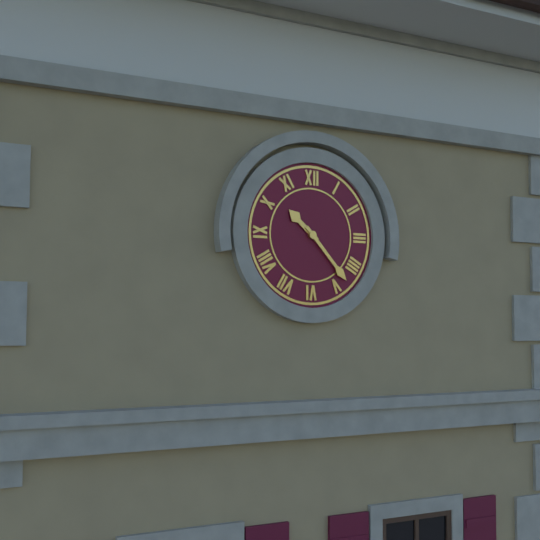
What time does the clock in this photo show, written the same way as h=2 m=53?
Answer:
h=10 m=23
